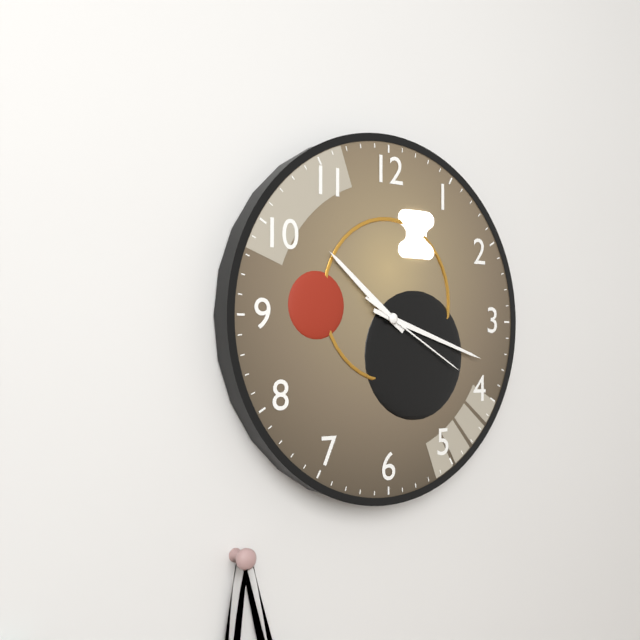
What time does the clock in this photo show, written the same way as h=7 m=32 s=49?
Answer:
h=10 m=18 s=20
